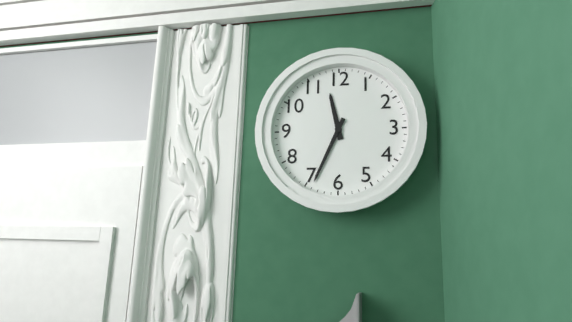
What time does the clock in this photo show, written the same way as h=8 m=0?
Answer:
h=11 m=34
